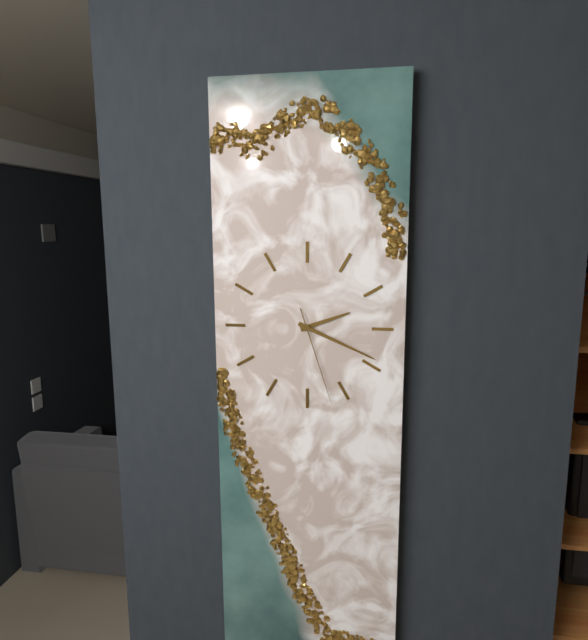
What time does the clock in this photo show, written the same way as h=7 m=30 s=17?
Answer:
h=2 m=19 s=27
